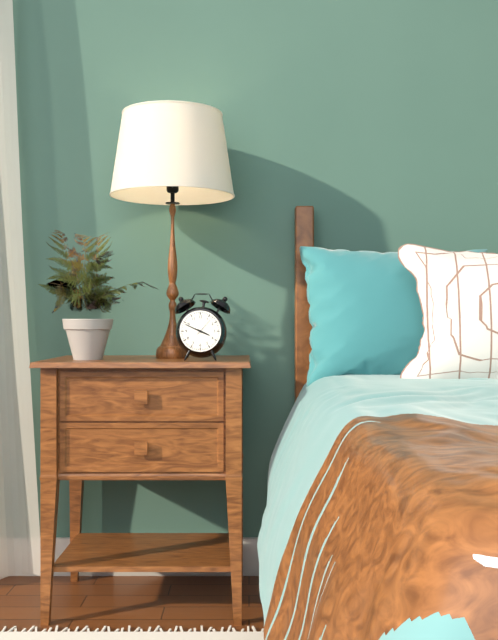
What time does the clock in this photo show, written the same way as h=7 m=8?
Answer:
h=3 m=49
